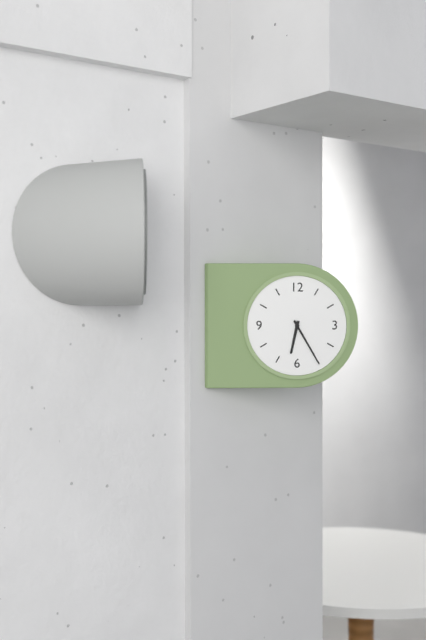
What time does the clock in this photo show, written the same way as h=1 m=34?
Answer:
h=6 m=25
